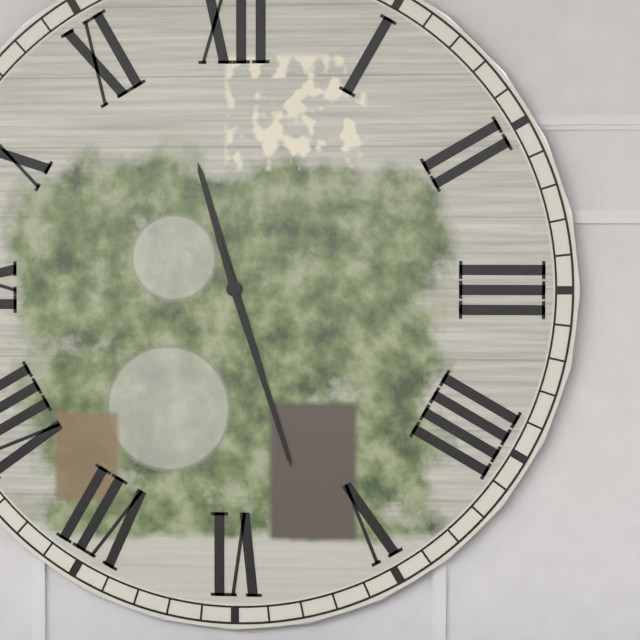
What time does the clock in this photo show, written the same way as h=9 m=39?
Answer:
h=11 m=27
